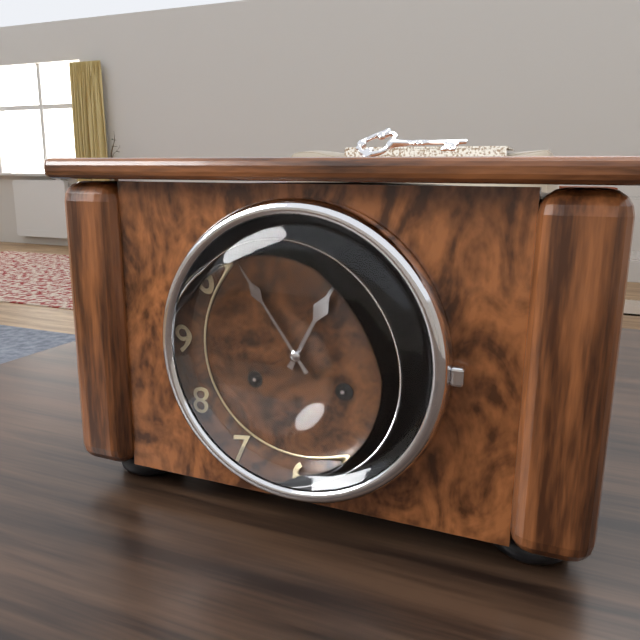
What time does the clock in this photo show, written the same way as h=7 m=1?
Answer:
h=12 m=54
